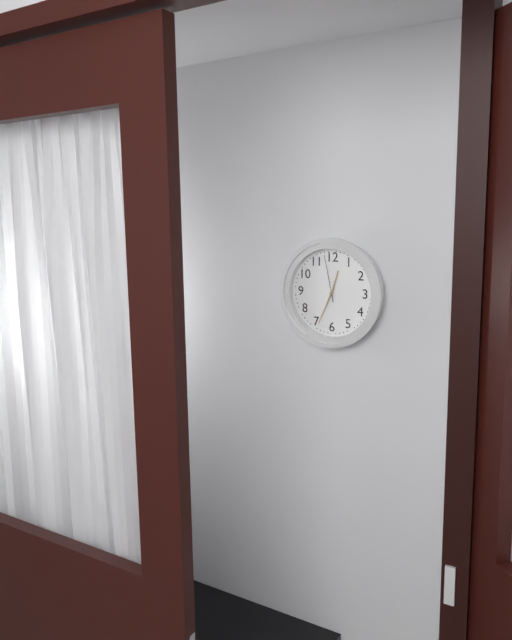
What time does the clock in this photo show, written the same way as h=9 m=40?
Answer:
h=12 m=34
